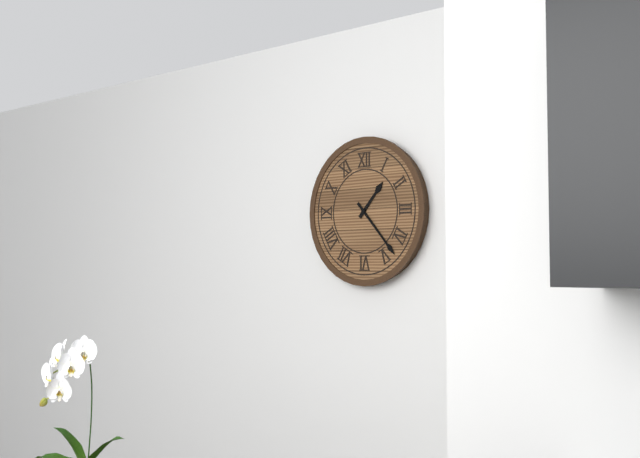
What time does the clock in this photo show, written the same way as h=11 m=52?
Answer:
h=1 m=23
